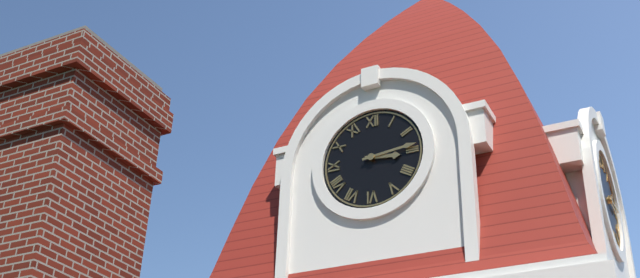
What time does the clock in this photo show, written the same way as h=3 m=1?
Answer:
h=3 m=14
